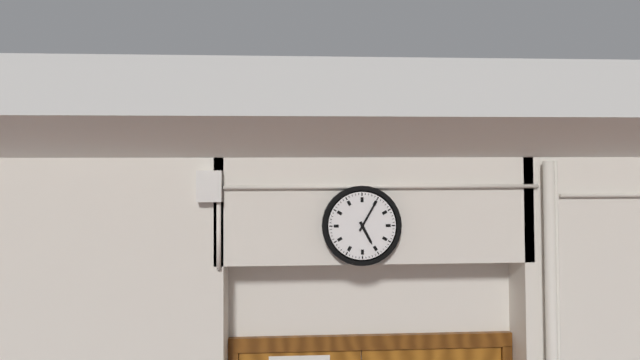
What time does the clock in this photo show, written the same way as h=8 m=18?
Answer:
h=5 m=5
